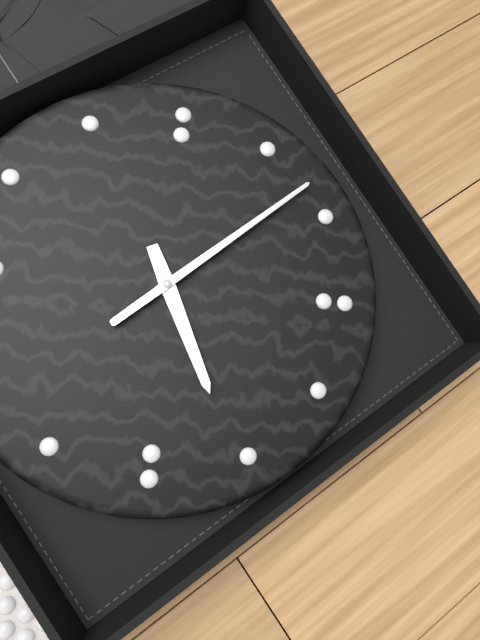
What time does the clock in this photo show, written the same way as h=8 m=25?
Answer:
h=5 m=8
